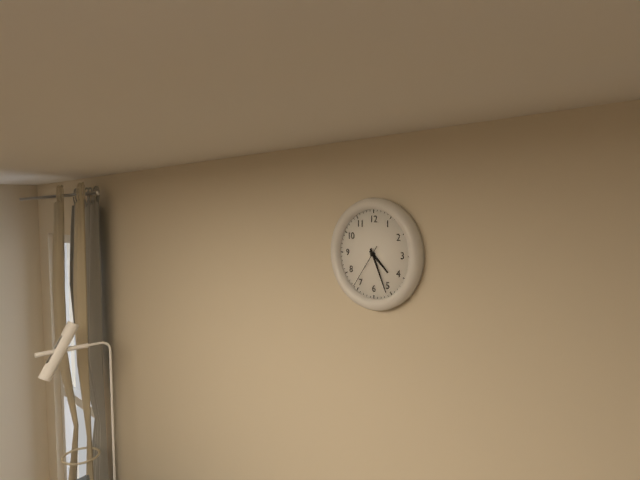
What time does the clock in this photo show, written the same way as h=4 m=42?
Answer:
h=4 m=26
